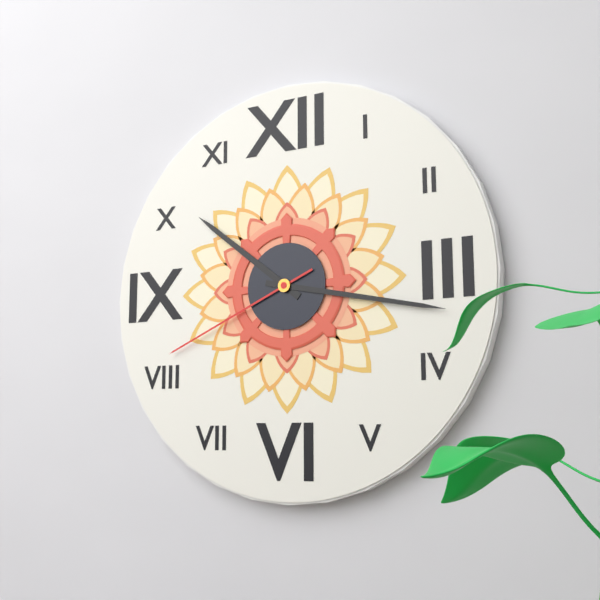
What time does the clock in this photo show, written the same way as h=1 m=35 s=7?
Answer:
h=10 m=17 s=41
